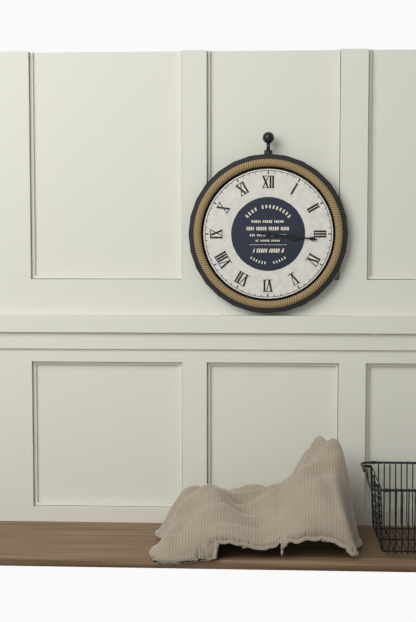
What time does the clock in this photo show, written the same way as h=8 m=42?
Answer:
h=3 m=16
